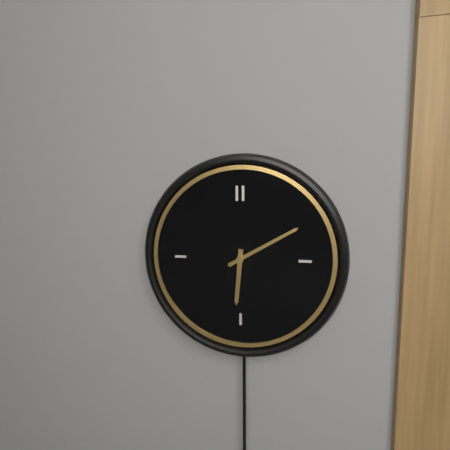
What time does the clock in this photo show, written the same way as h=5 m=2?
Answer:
h=6 m=10
